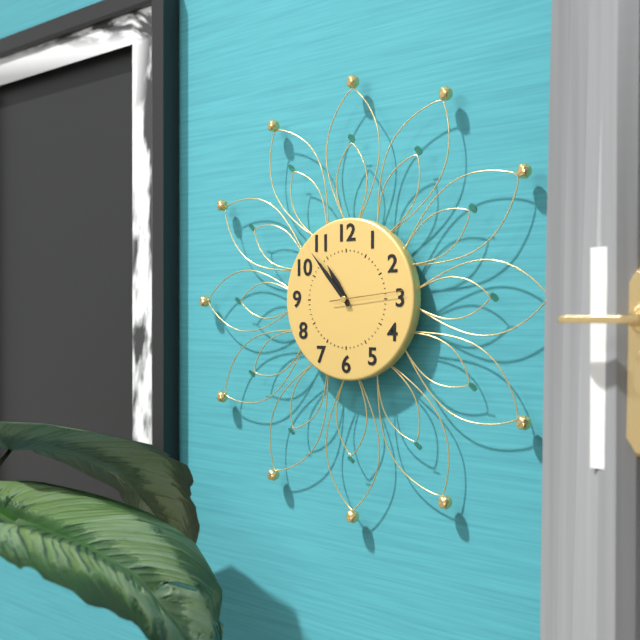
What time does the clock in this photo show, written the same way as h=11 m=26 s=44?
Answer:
h=10 m=53 s=14
